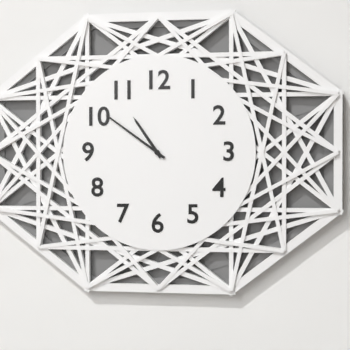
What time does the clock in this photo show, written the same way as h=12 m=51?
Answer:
h=10 m=51
